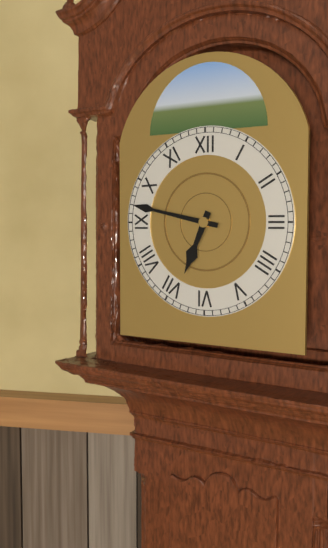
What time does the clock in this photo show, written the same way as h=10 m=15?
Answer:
h=6 m=47
